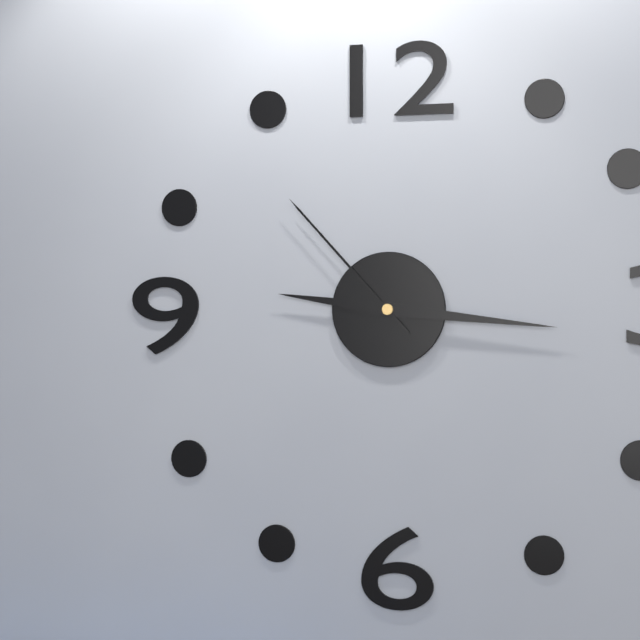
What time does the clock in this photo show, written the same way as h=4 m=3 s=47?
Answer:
h=9 m=16 s=53
